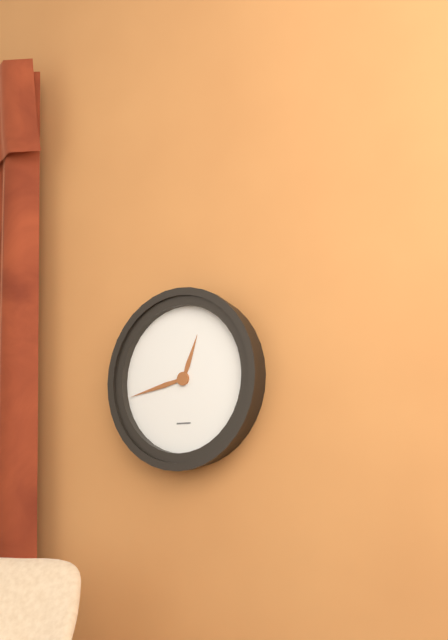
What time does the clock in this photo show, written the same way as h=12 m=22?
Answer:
h=12 m=43
